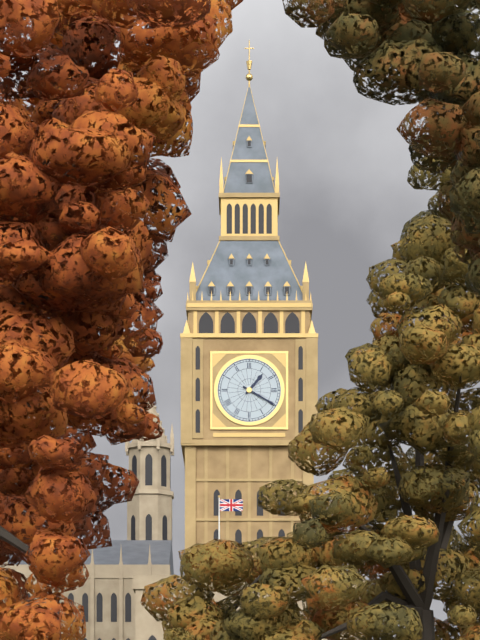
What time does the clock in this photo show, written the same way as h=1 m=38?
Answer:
h=1 m=20
